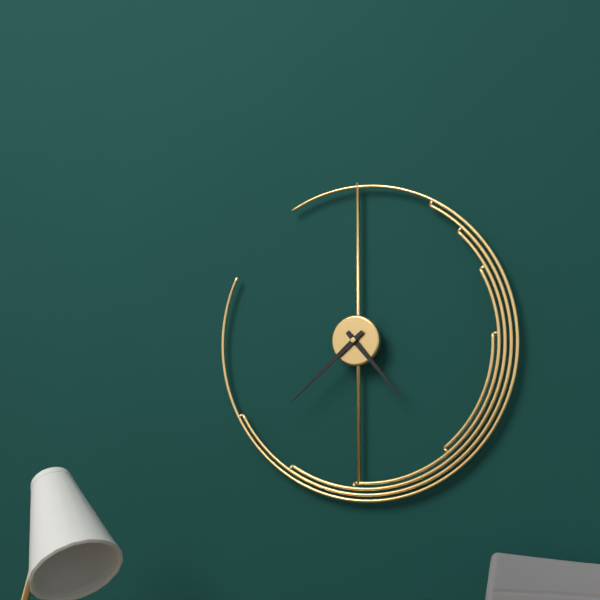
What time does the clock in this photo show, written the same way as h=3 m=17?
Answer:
h=4 m=38
